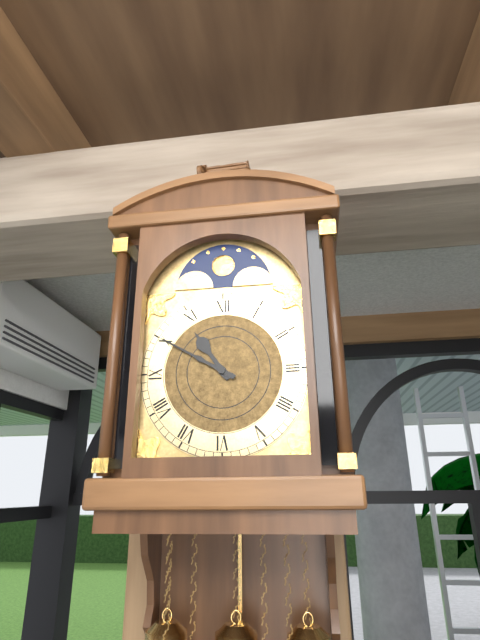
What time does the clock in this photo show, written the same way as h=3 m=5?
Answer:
h=10 m=50
